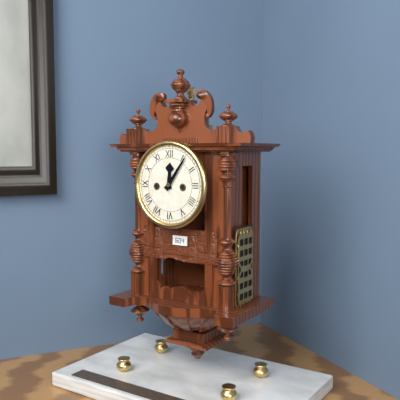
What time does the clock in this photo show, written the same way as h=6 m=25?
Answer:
h=12 m=6
